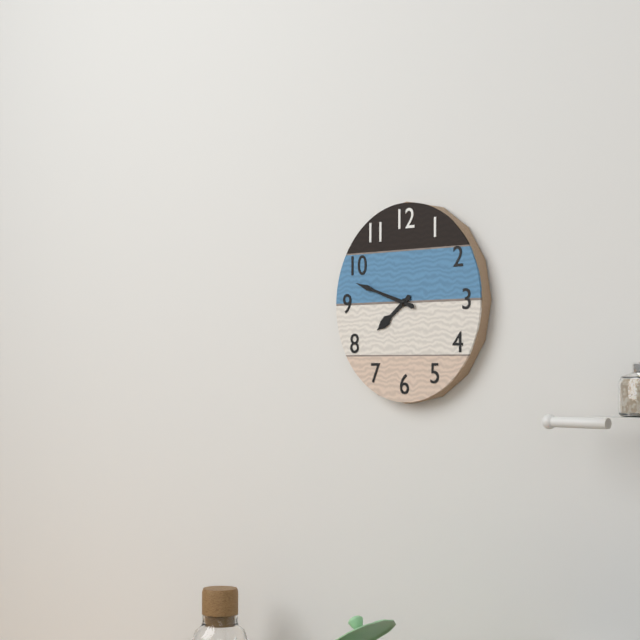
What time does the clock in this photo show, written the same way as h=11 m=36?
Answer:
h=7 m=48
